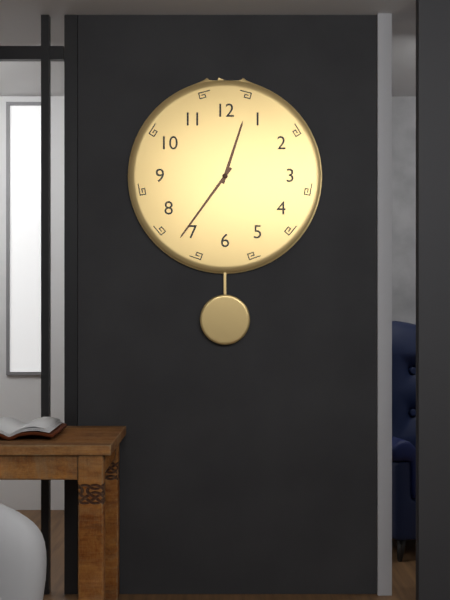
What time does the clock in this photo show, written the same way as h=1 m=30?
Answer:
h=12 m=36
